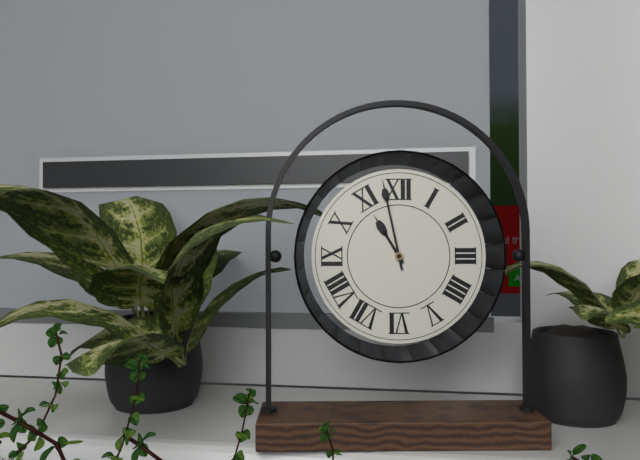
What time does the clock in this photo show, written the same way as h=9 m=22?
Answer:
h=10 m=58
